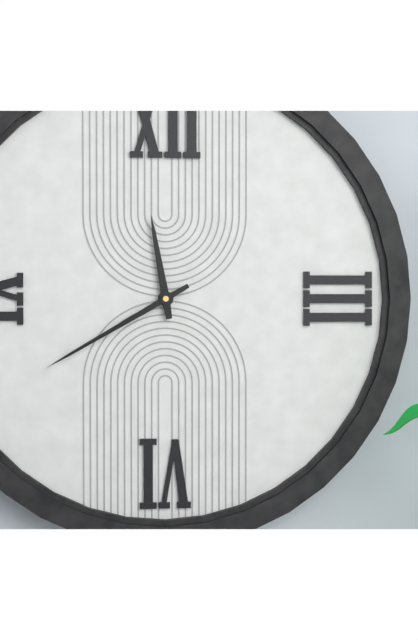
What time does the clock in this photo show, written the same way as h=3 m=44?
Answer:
h=11 m=40
